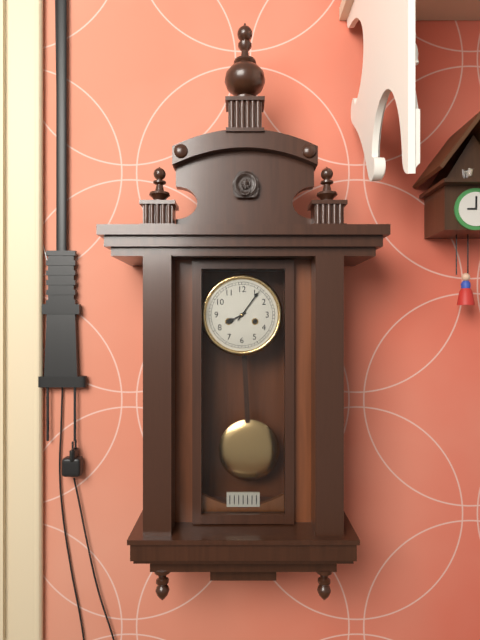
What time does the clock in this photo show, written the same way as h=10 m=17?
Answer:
h=8 m=6
